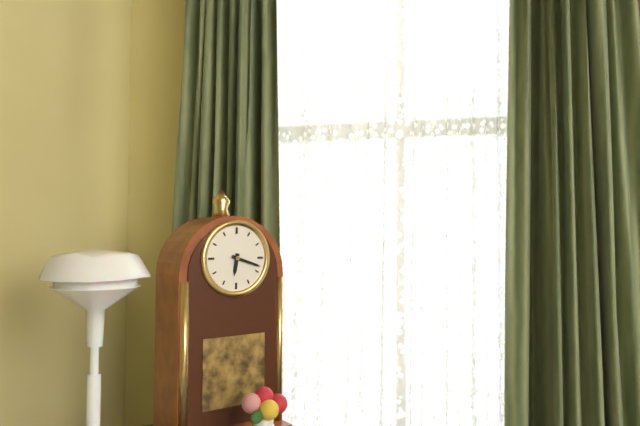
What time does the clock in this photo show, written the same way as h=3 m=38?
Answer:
h=6 m=18
